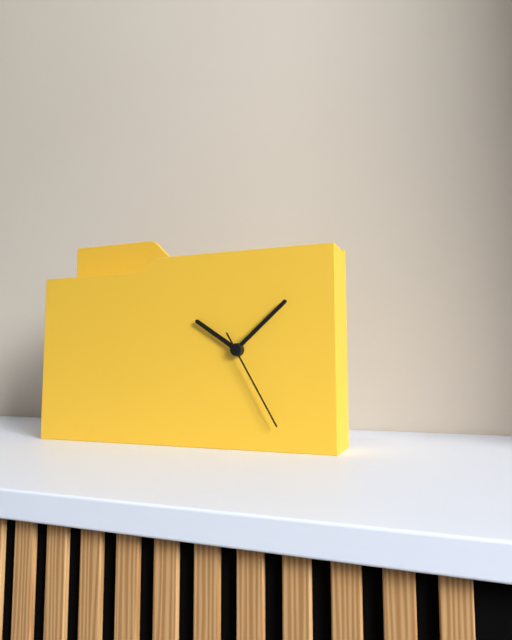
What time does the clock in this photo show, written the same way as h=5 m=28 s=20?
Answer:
h=10 m=8 s=25
